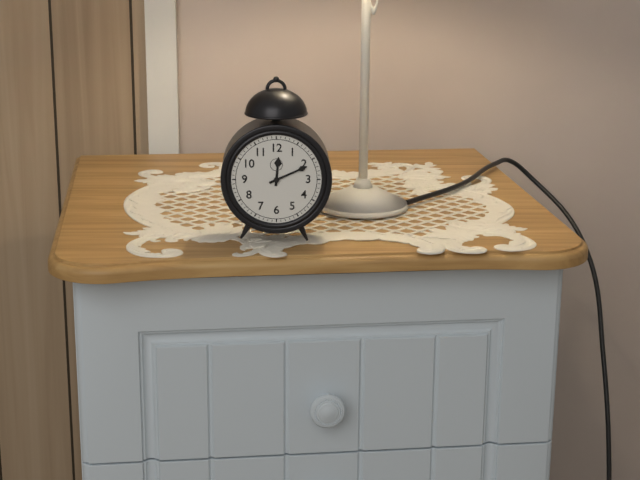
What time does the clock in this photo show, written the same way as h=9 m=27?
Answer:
h=12 m=11
